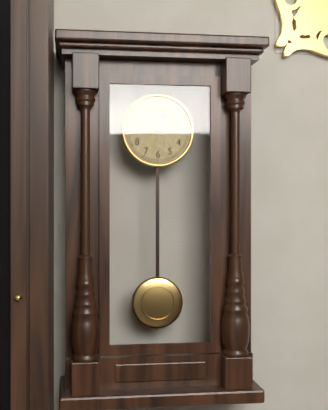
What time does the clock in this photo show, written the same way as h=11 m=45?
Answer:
h=12 m=53
